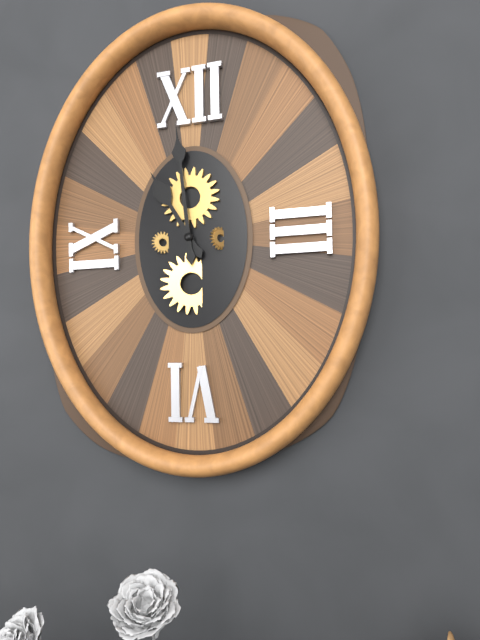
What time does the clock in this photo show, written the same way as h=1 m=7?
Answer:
h=10 m=59
